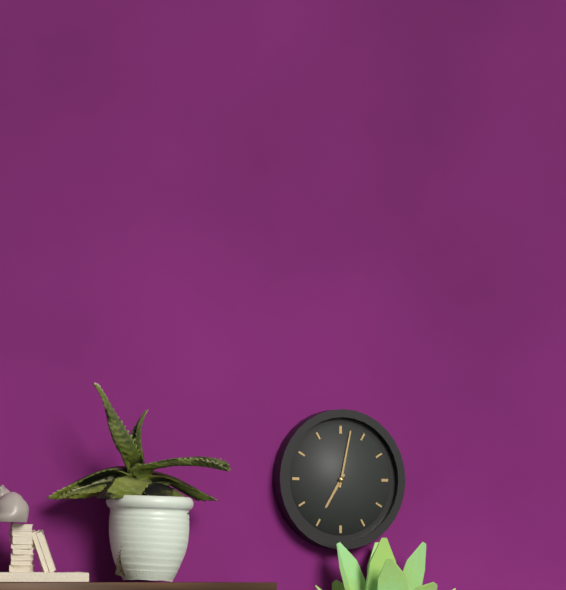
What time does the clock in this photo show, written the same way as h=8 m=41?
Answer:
h=7 m=2
